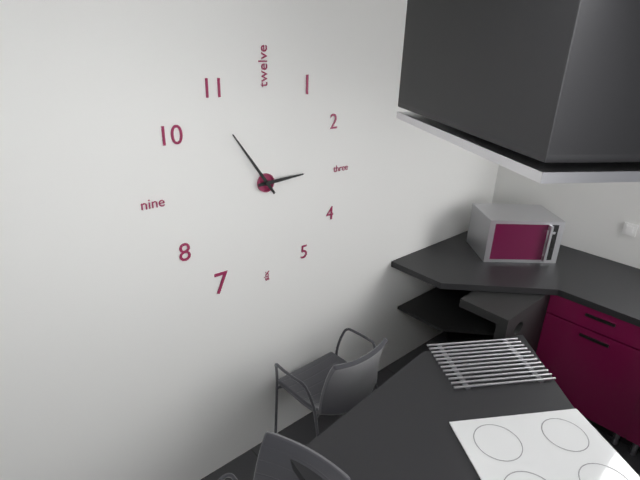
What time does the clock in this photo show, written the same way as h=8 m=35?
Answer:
h=2 m=54
